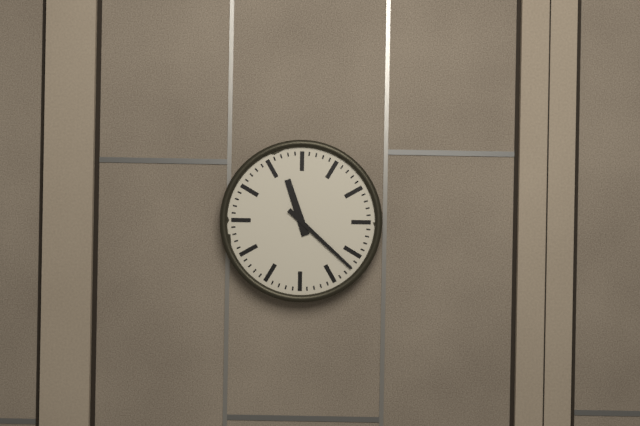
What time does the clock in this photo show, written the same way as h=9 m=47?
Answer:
h=11 m=22
